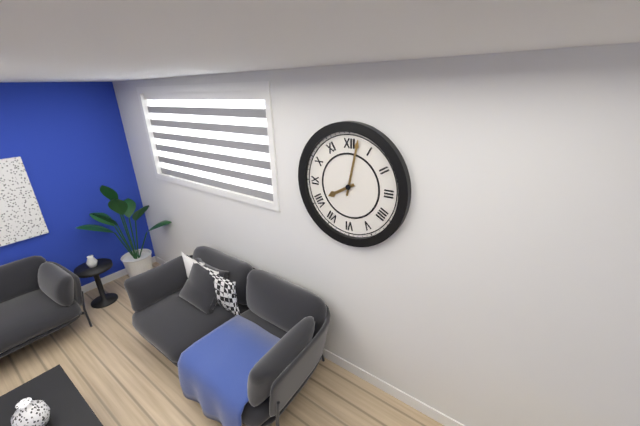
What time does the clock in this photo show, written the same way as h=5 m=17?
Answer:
h=8 m=2
